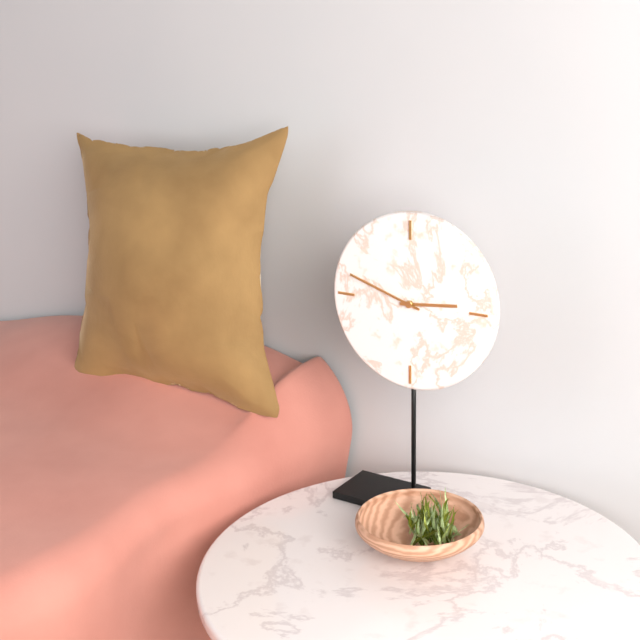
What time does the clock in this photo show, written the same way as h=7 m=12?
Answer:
h=2 m=48
